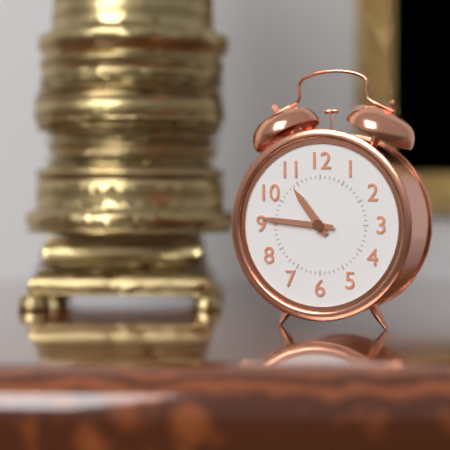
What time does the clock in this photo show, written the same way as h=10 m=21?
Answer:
h=10 m=46
